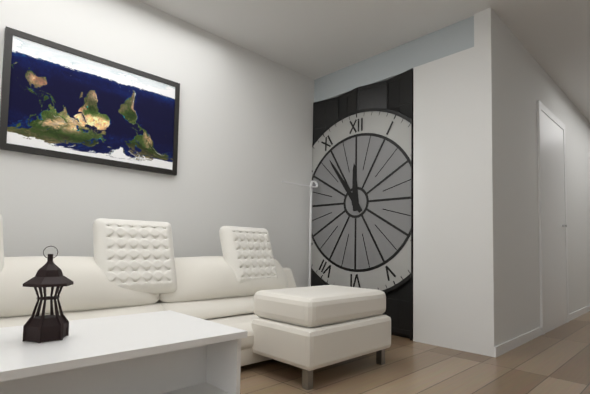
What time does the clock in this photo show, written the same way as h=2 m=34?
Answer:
h=11 m=54
